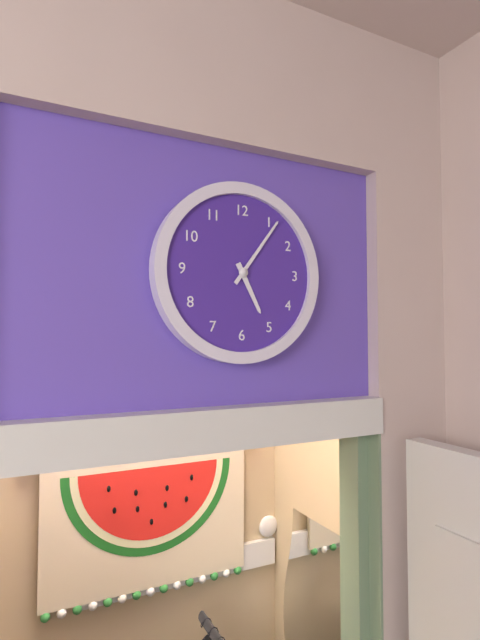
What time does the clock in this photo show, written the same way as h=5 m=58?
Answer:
h=5 m=6
